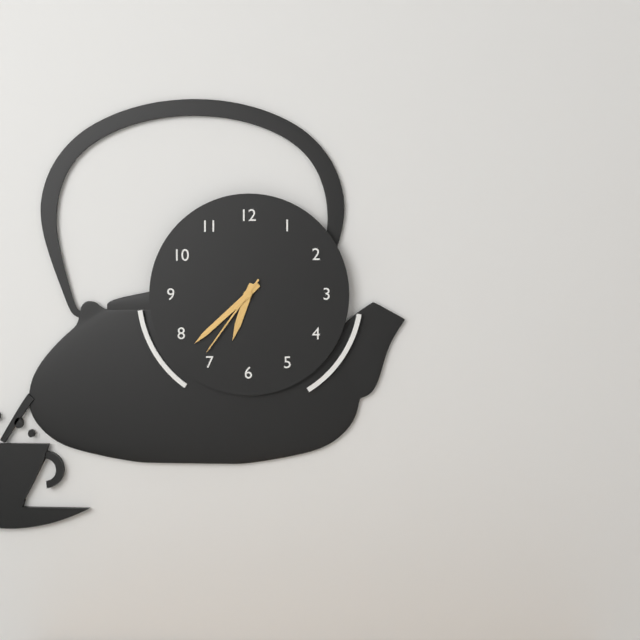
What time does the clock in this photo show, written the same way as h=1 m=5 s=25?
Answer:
h=6 m=38 s=36
